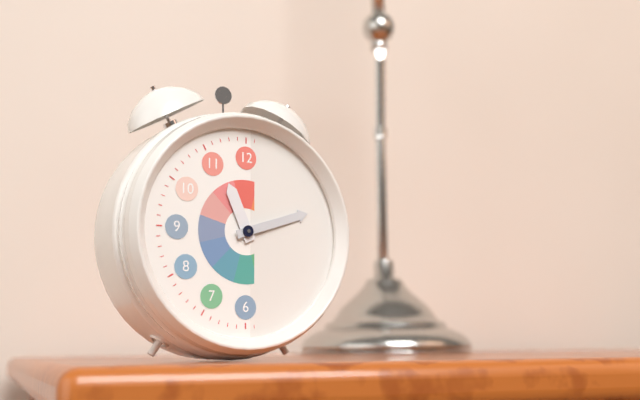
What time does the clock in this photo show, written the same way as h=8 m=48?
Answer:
h=11 m=12
